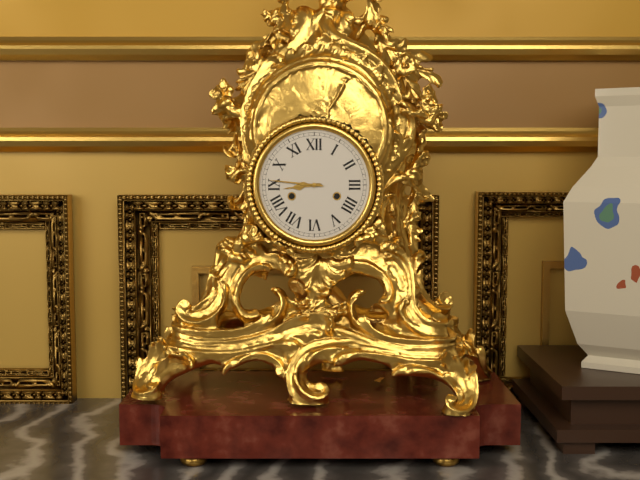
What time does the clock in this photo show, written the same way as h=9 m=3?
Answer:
h=8 m=46
